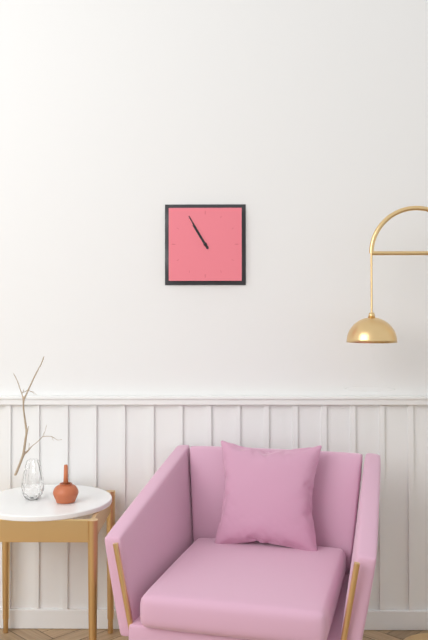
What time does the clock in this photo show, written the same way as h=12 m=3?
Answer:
h=10 m=55
